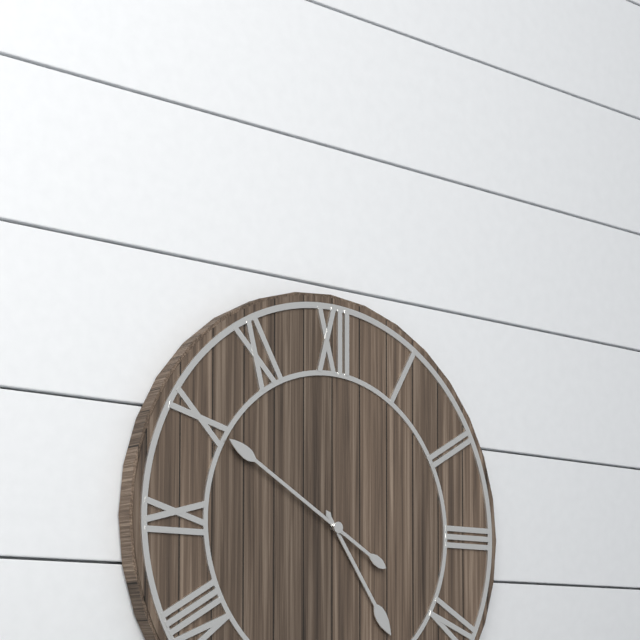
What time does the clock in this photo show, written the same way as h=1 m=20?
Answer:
h=4 m=50
